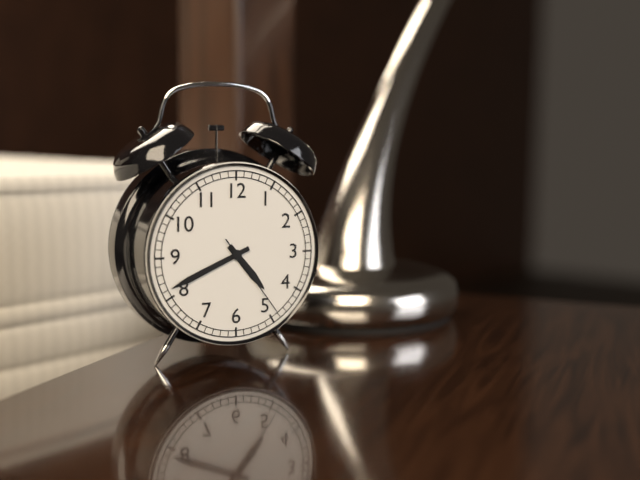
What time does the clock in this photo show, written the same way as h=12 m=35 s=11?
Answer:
h=4 m=41 s=24
